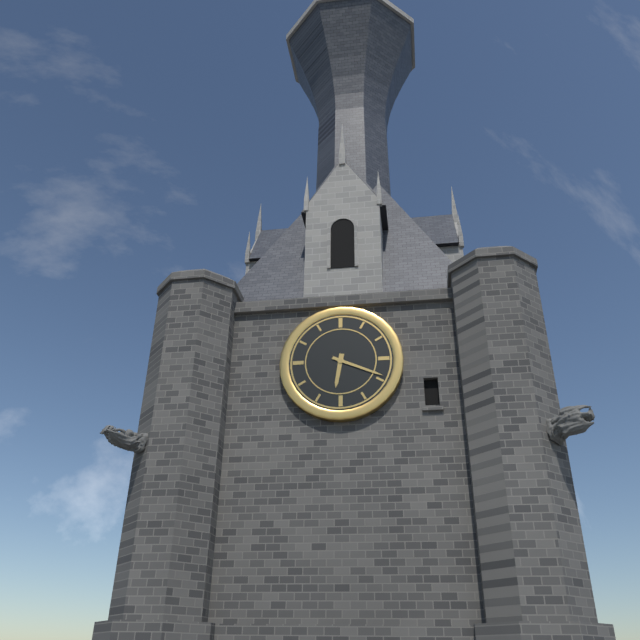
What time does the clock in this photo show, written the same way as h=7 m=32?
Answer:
h=6 m=19
